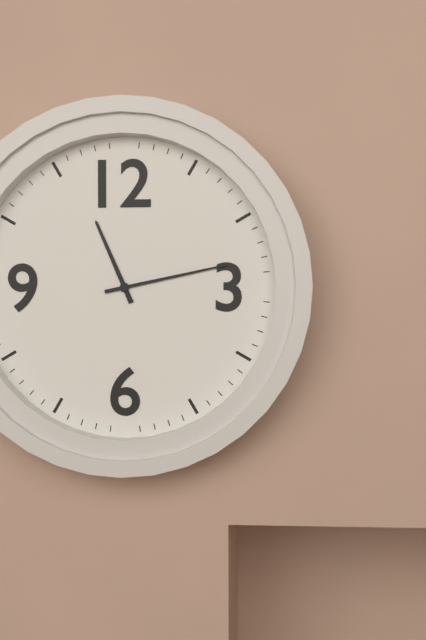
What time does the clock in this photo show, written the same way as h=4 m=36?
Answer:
h=11 m=13
